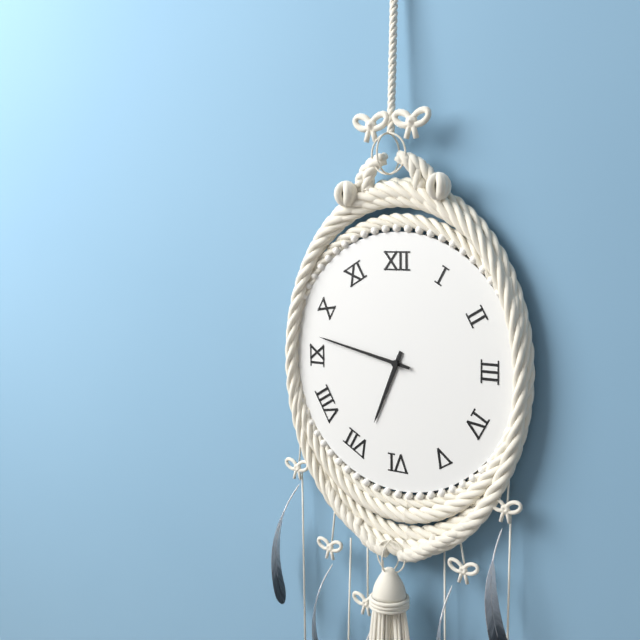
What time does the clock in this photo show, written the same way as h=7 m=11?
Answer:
h=6 m=47
